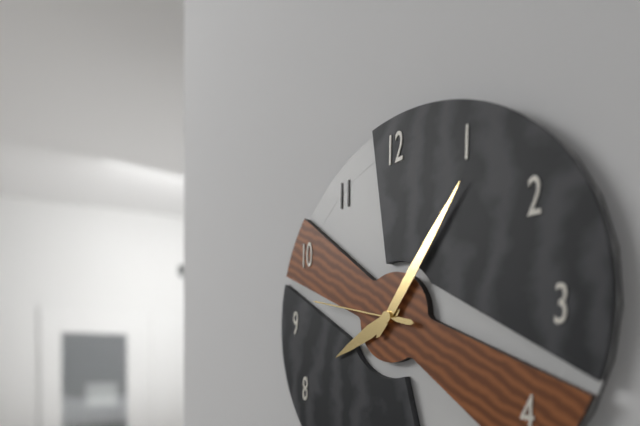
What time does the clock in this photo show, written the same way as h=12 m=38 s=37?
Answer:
h=8 m=6 s=47
